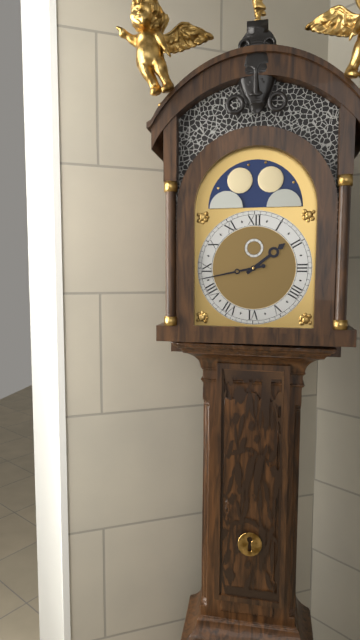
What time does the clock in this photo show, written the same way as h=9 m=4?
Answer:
h=1 m=43
